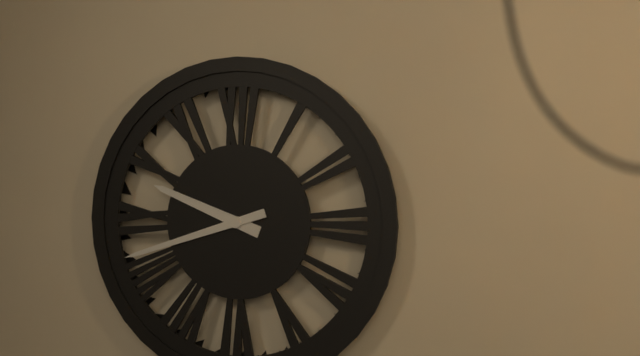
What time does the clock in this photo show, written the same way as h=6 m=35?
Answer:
h=9 m=42
